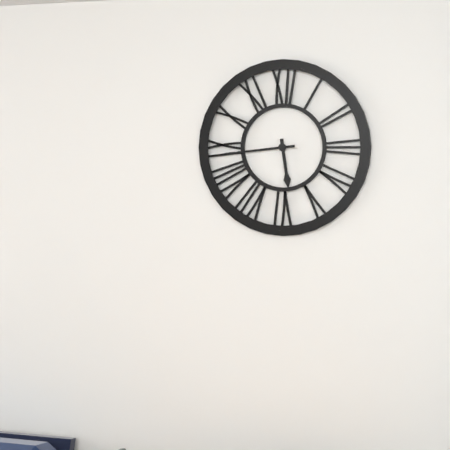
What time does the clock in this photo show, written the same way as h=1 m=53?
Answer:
h=5 m=44
